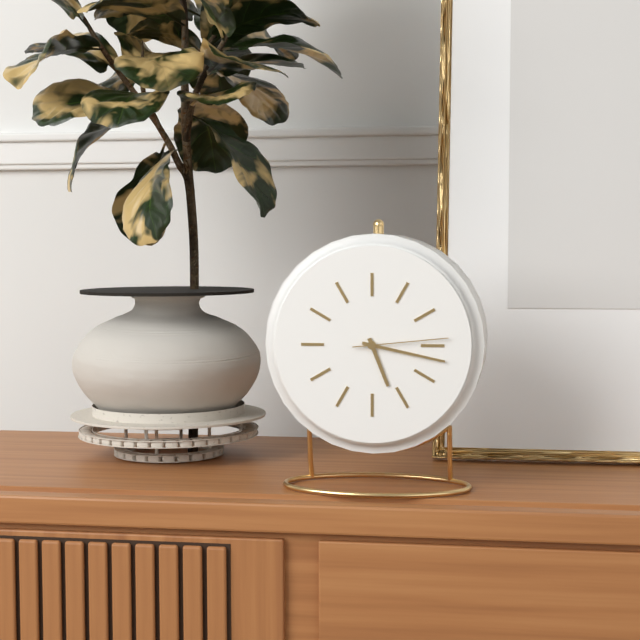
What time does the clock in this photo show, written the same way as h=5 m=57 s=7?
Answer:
h=5 m=17 s=14
